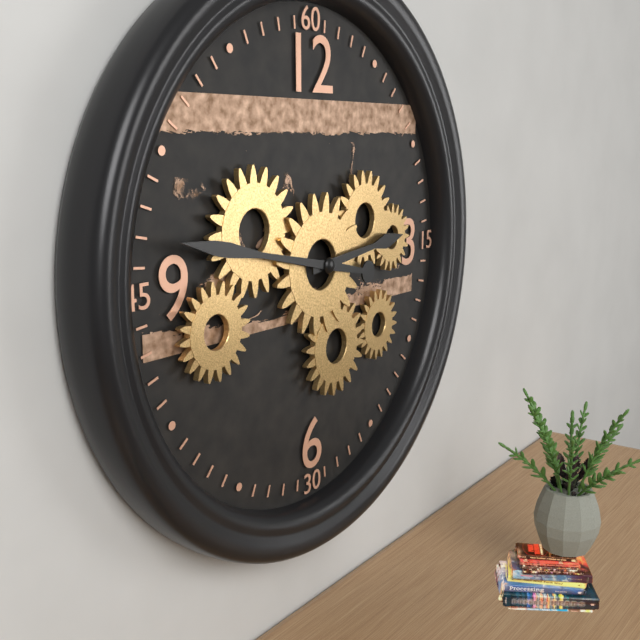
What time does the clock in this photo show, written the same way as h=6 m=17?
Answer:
h=2 m=47
